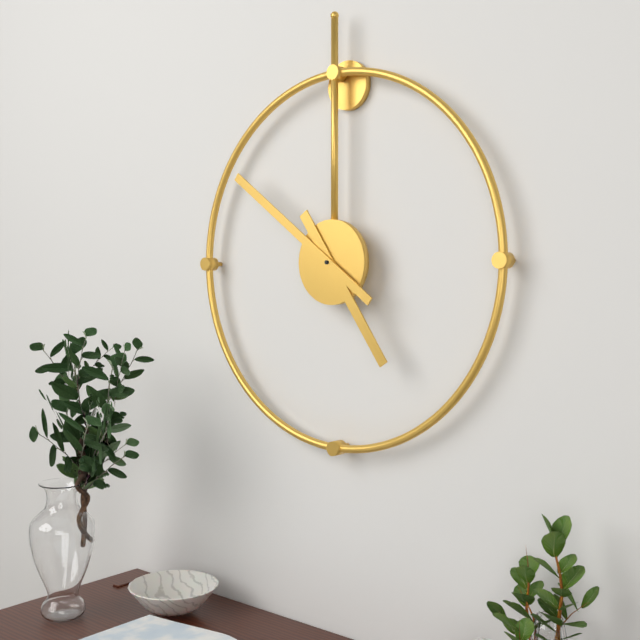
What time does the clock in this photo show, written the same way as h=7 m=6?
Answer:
h=4 m=51
